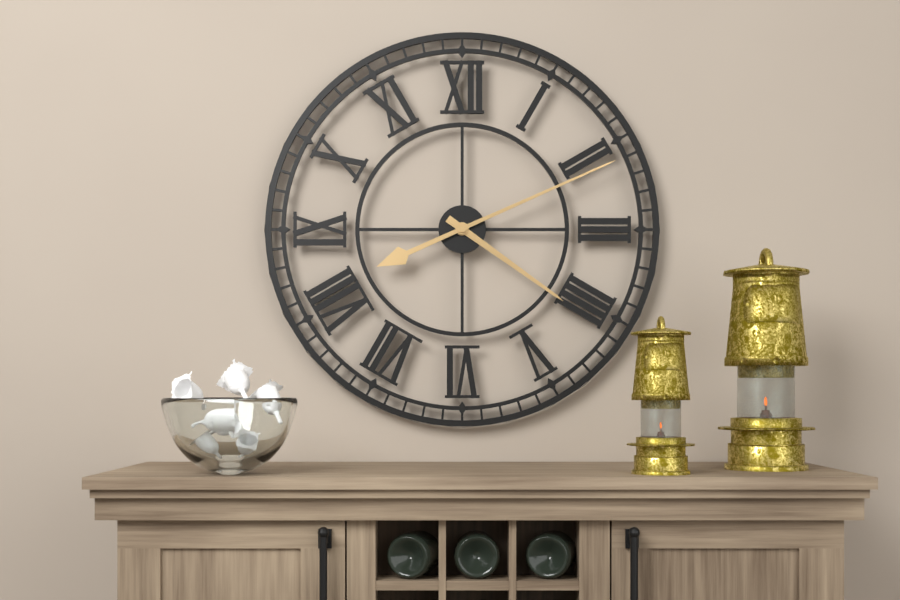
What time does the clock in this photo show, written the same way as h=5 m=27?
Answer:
h=4 m=11
